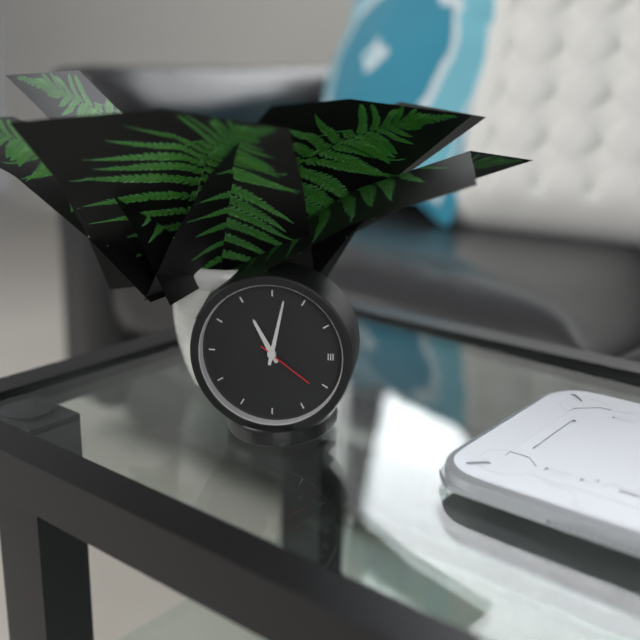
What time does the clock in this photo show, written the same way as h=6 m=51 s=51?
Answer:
h=11 m=2 s=21
